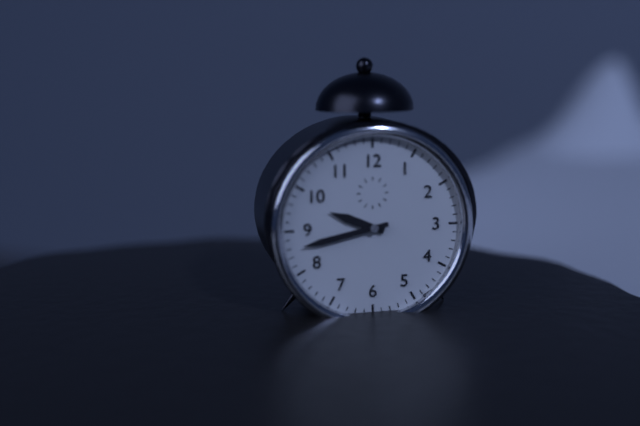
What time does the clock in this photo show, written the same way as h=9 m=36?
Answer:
h=9 m=43
